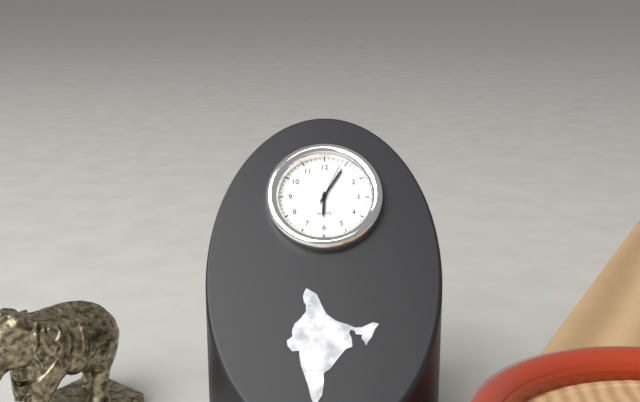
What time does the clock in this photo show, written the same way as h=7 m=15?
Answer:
h=6 m=5
